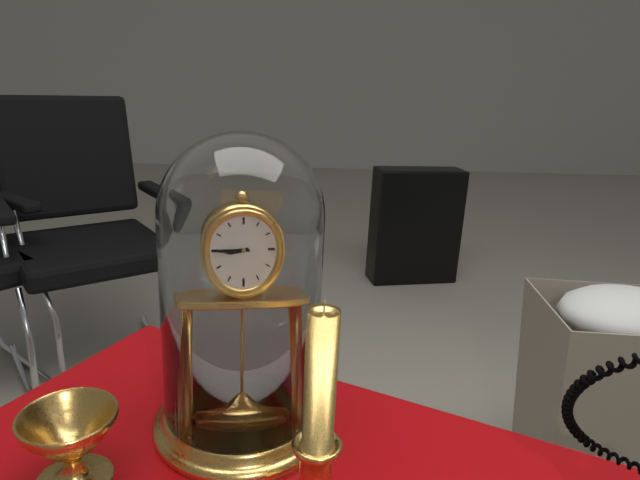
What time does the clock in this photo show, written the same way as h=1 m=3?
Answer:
h=8 m=45
